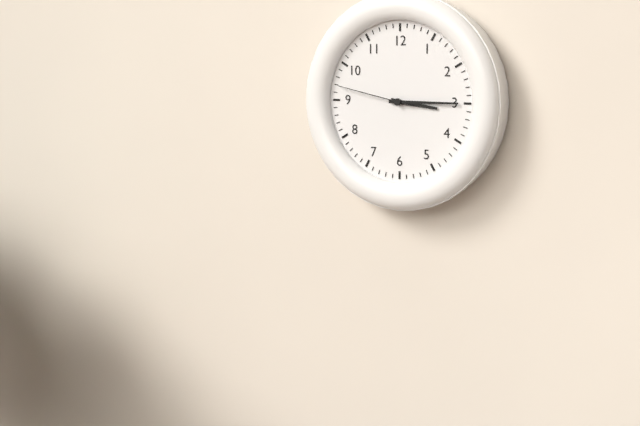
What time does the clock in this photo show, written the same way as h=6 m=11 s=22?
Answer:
h=3 m=15 s=47
